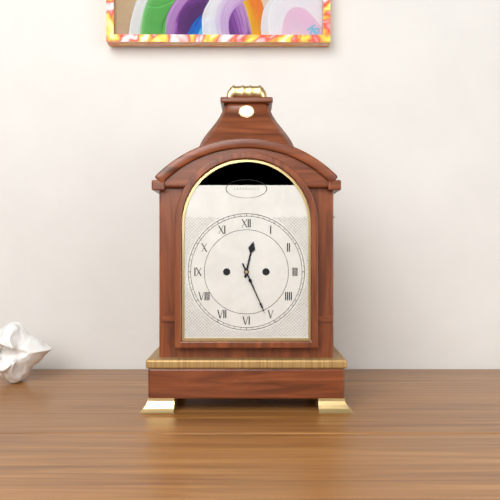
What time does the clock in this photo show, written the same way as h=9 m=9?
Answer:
h=12 m=26
